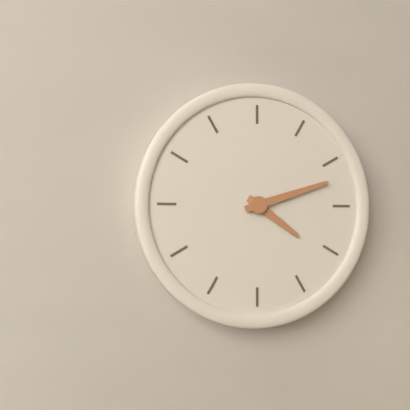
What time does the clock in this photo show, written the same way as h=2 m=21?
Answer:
h=4 m=12
